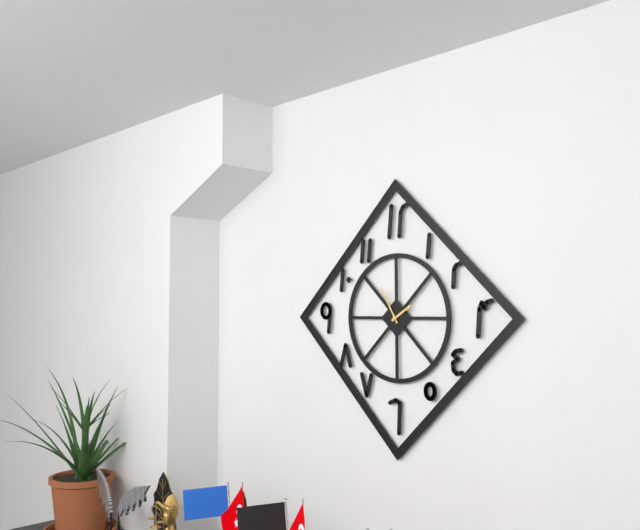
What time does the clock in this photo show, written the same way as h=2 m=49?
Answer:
h=1 m=55
